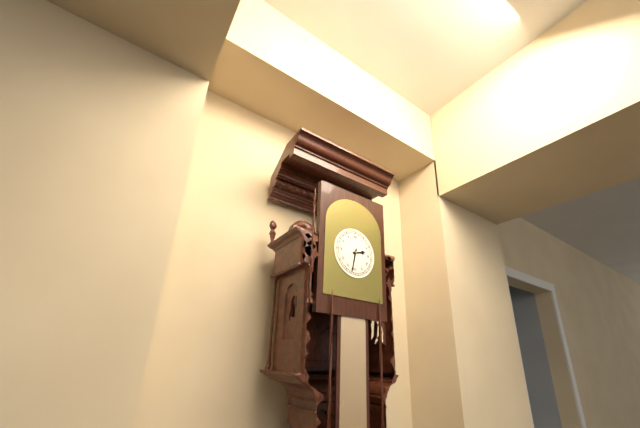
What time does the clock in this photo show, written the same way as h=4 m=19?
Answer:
h=2 m=32
